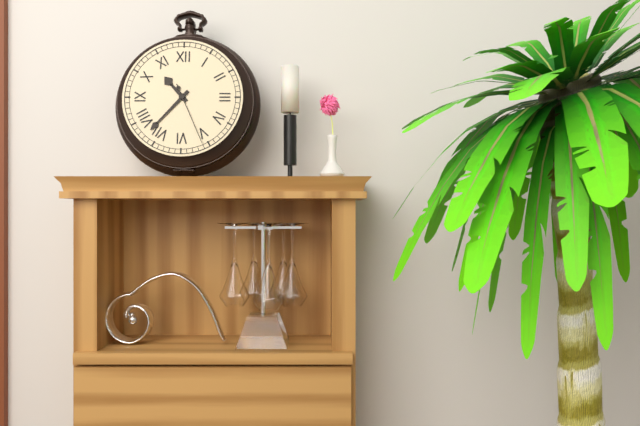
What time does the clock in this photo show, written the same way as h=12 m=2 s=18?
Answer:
h=10 m=37 s=26
